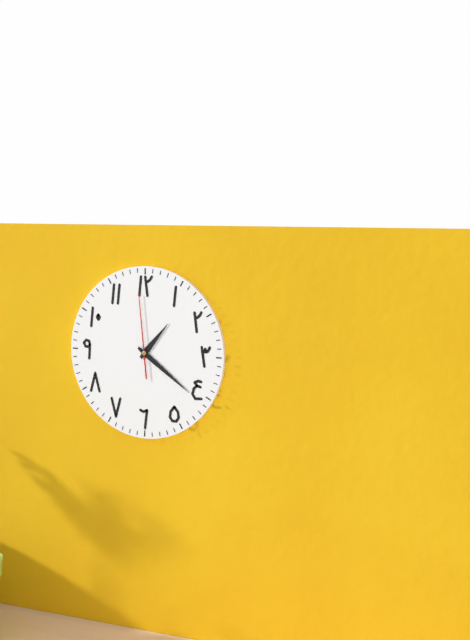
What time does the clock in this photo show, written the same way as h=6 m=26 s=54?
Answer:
h=1 m=21 s=59
